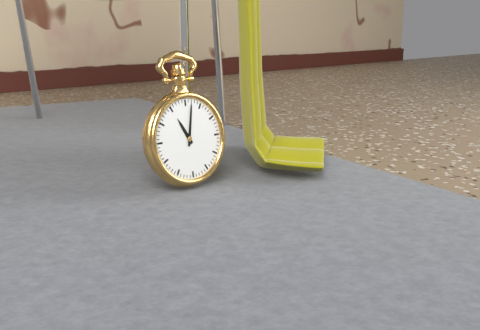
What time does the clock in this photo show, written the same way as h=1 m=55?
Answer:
h=11 m=2
